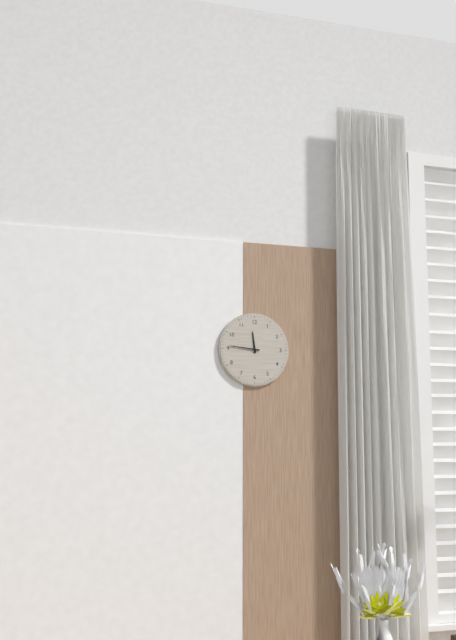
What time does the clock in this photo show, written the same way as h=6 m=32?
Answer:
h=11 m=46
